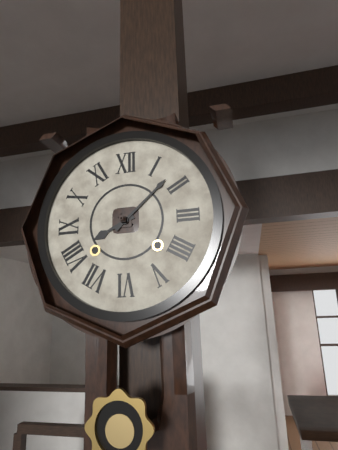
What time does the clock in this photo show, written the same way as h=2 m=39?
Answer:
h=8 m=8
